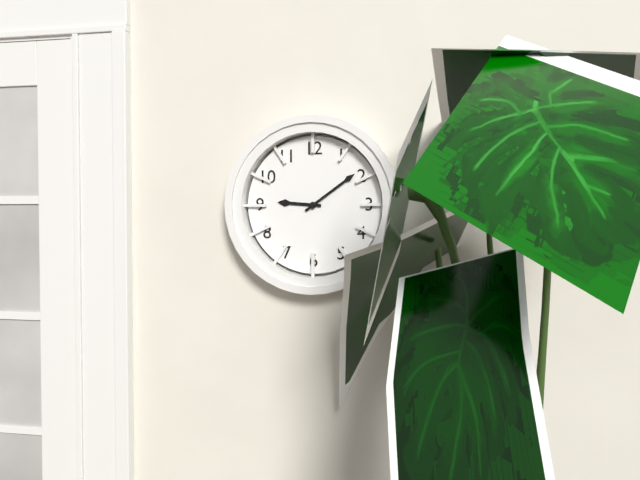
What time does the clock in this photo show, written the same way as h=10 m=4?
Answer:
h=9 m=9
